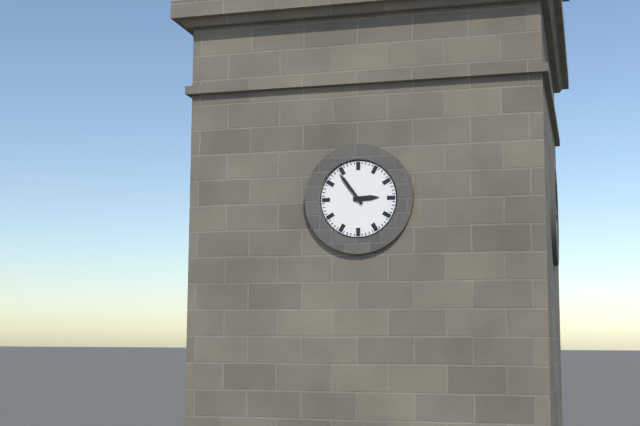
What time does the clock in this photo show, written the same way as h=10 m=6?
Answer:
h=2 m=54
